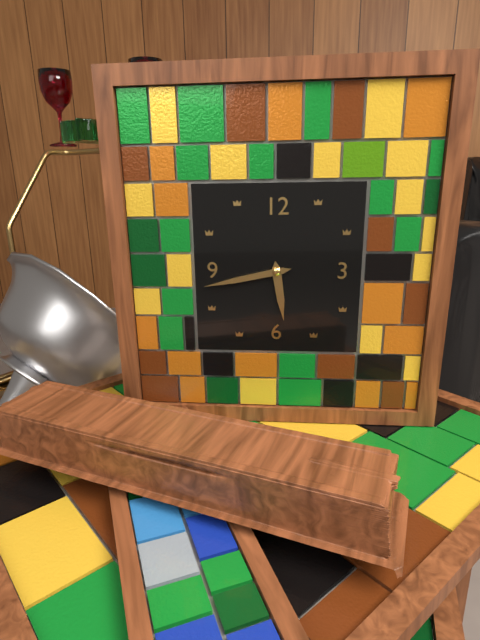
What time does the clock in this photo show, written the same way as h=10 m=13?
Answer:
h=5 m=43
